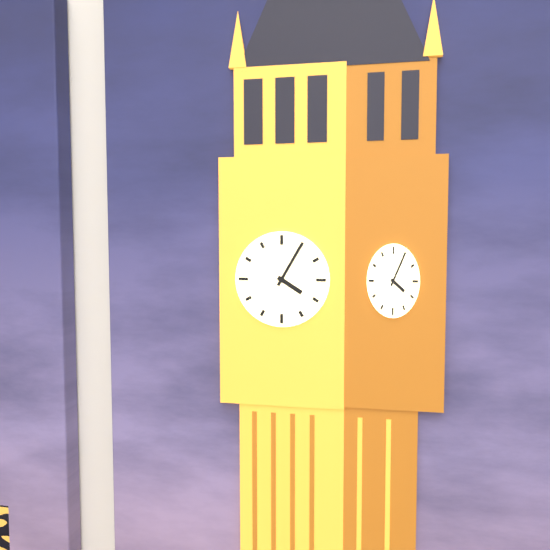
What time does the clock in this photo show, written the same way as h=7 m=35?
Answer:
h=4 m=5
